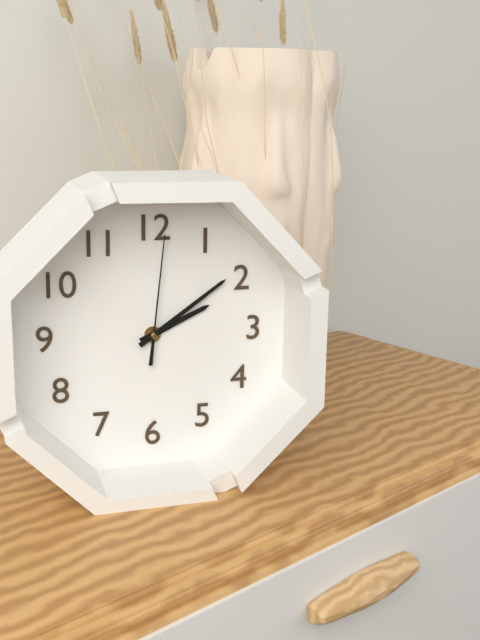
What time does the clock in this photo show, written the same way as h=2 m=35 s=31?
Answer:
h=2 m=9 s=1
